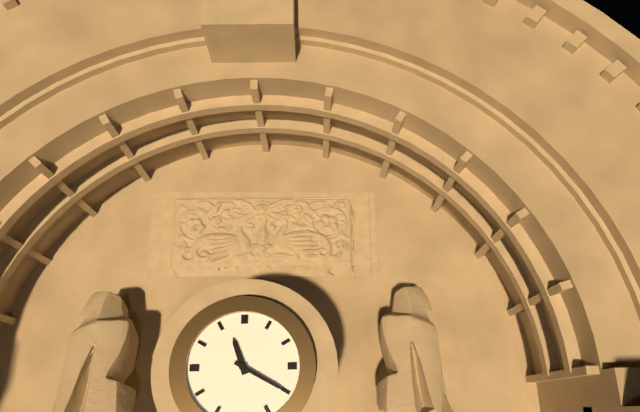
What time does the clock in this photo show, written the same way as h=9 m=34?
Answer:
h=11 m=20
